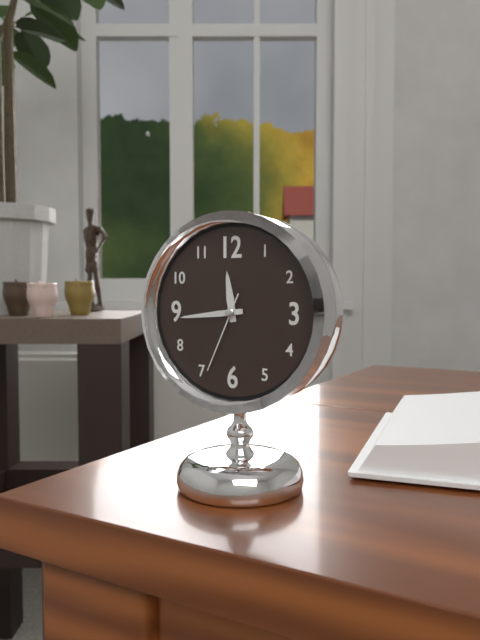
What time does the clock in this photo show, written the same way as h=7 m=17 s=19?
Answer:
h=11 m=44 s=34
